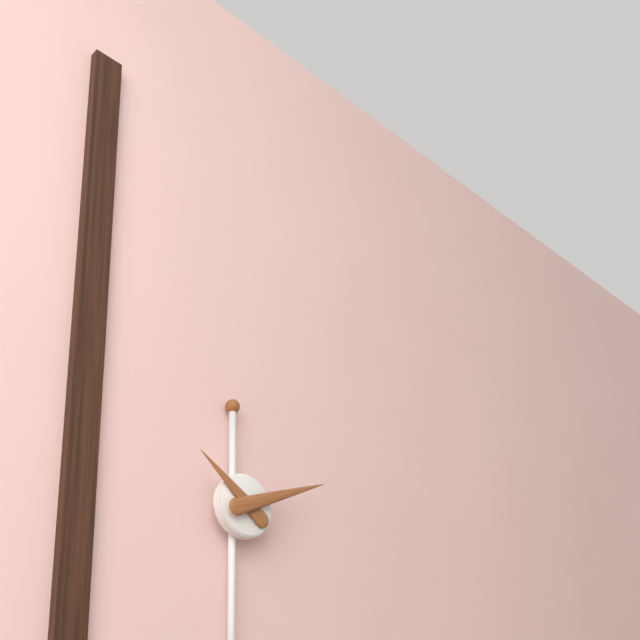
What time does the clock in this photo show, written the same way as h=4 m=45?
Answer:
h=10 m=11
